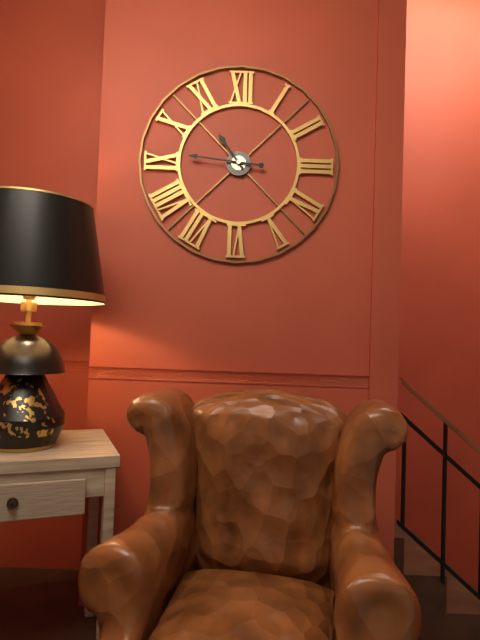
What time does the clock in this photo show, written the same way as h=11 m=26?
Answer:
h=10 m=46
